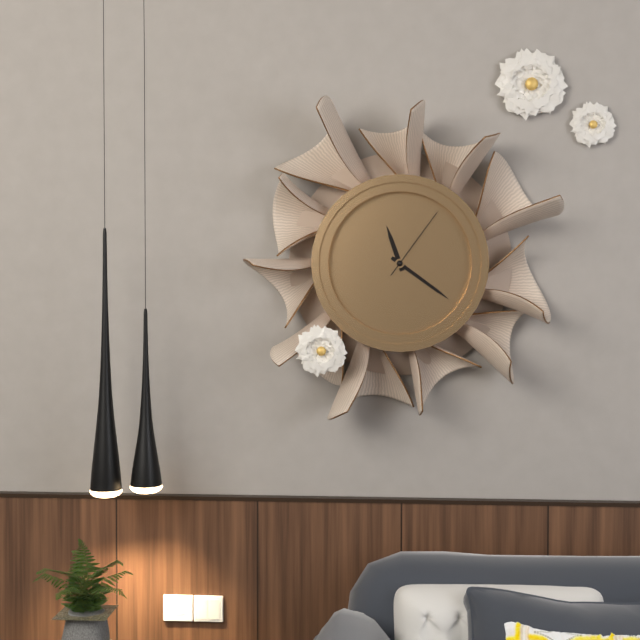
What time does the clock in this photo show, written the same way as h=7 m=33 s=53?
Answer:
h=11 m=21 s=6
